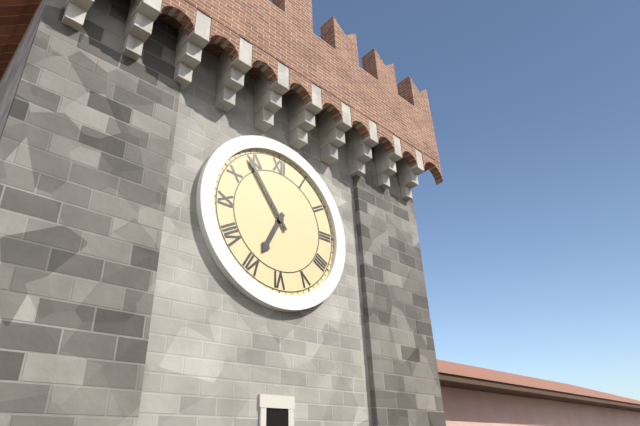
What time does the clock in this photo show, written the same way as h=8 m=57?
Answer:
h=6 m=54
